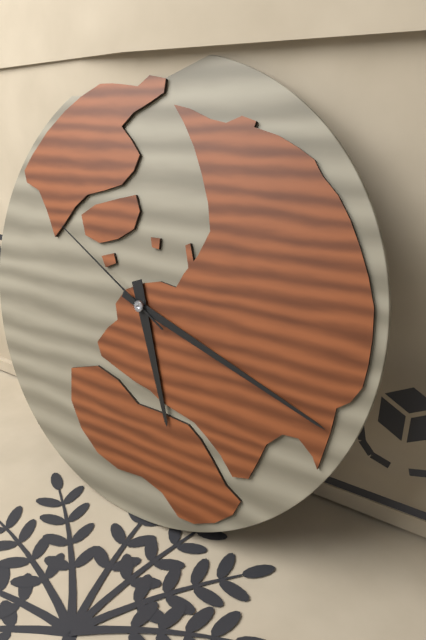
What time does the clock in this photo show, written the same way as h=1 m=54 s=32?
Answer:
h=5 m=18 s=50
